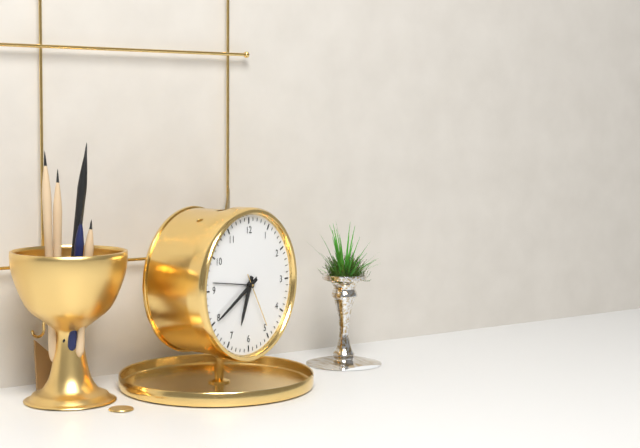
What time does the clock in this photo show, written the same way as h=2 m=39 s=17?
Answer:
h=6 m=40 s=25
